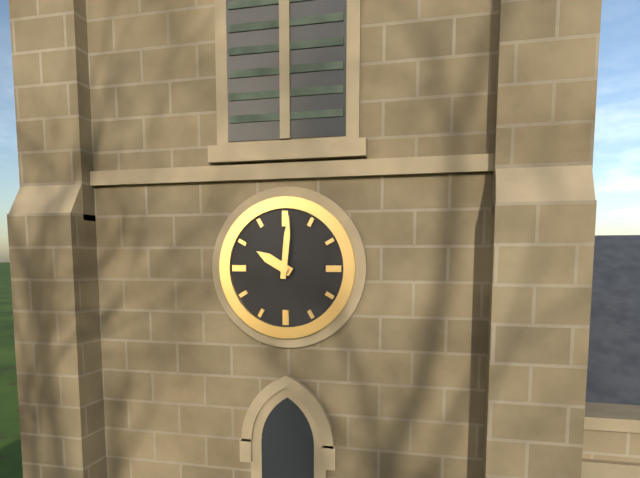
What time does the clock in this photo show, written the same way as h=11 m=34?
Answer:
h=10 m=1
